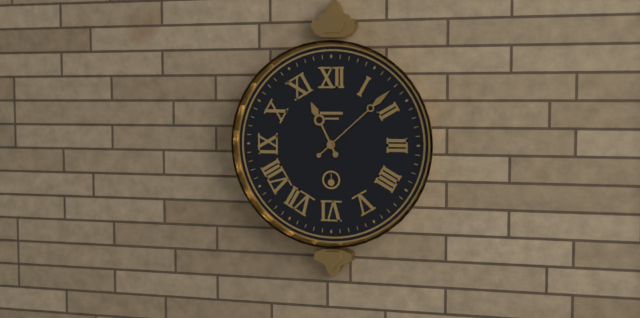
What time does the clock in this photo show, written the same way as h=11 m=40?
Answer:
h=11 m=8
